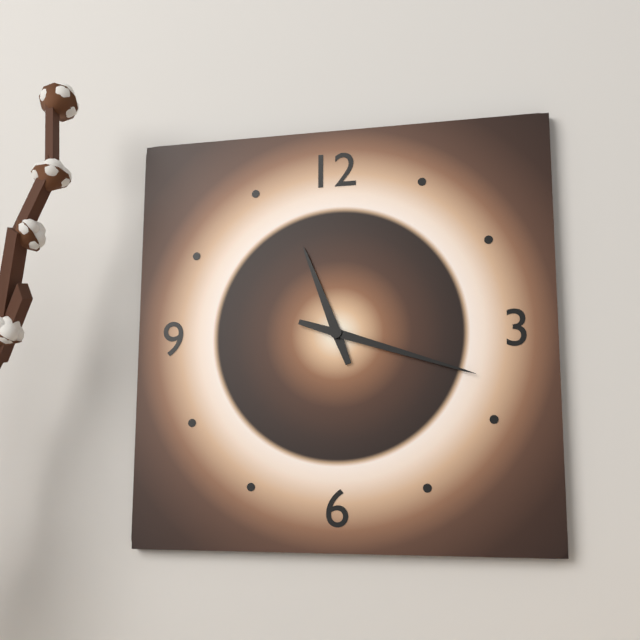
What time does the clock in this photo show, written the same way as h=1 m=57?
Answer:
h=11 m=18
